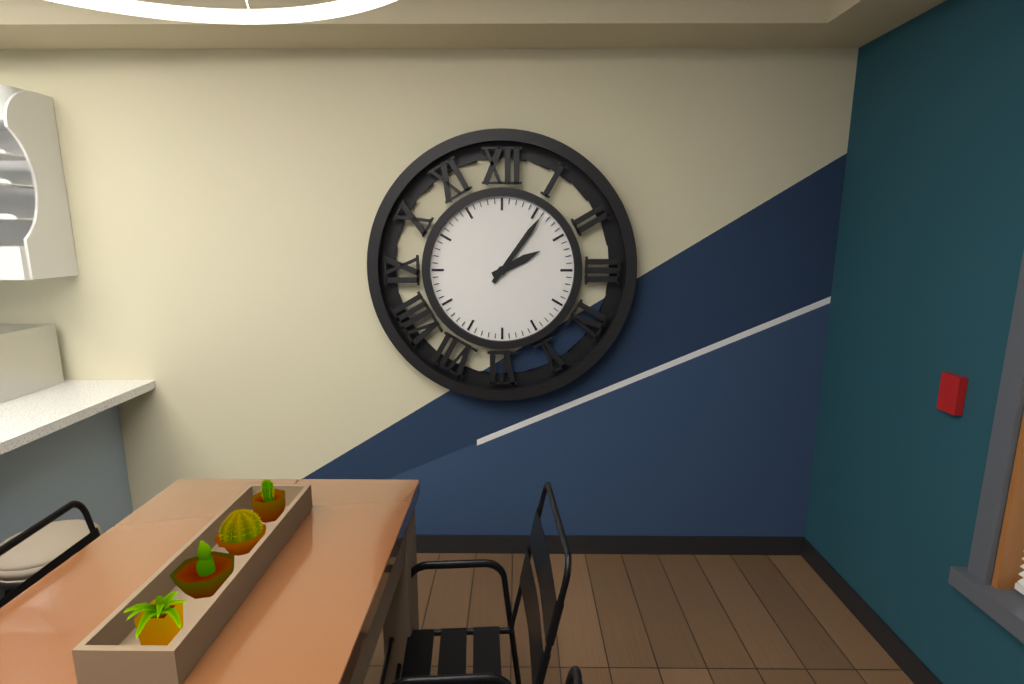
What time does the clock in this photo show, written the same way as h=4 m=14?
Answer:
h=2 m=6
